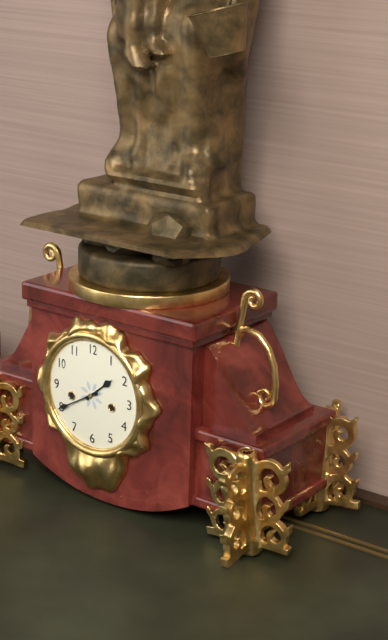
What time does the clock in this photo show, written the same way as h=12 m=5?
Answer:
h=1 m=40
